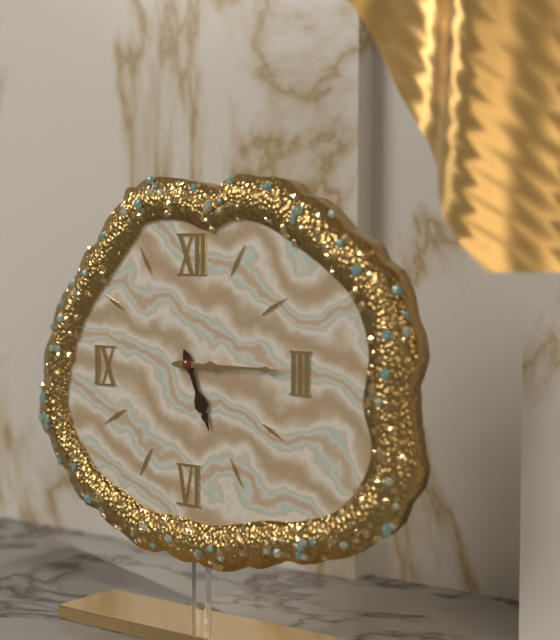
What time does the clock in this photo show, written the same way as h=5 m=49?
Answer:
h=5 m=15
